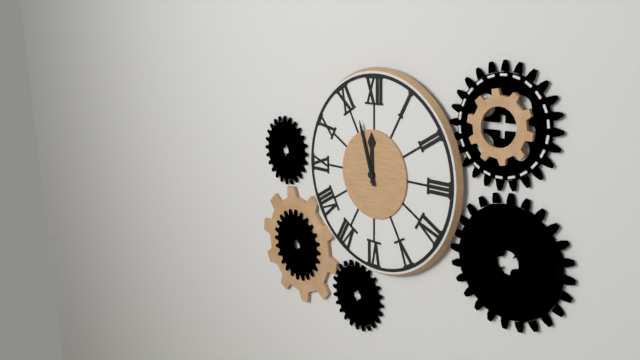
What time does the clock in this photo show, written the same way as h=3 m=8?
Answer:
h=11 m=57
